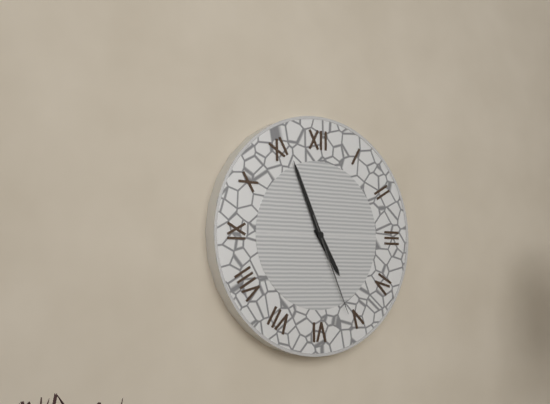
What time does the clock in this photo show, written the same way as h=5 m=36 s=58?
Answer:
h=4 m=56 s=26
